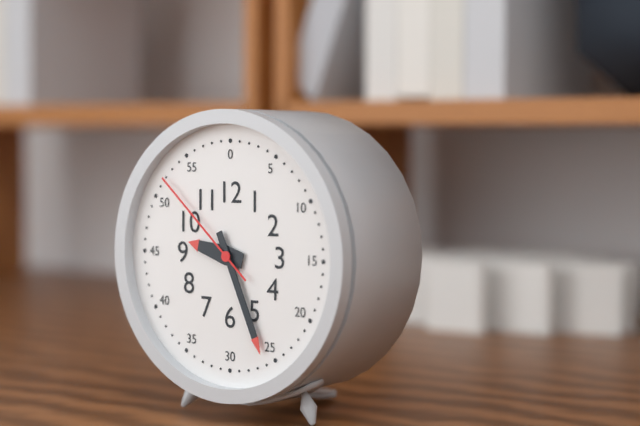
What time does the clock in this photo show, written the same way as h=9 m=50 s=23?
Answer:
h=9 m=26 s=52
